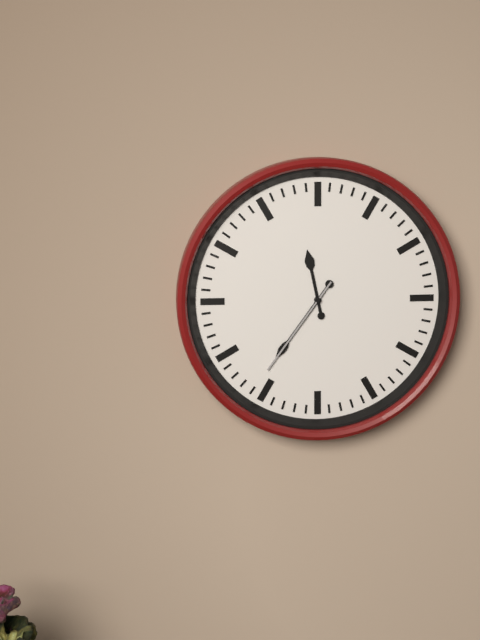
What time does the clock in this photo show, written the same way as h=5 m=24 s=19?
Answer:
h=11 m=36 s=36
